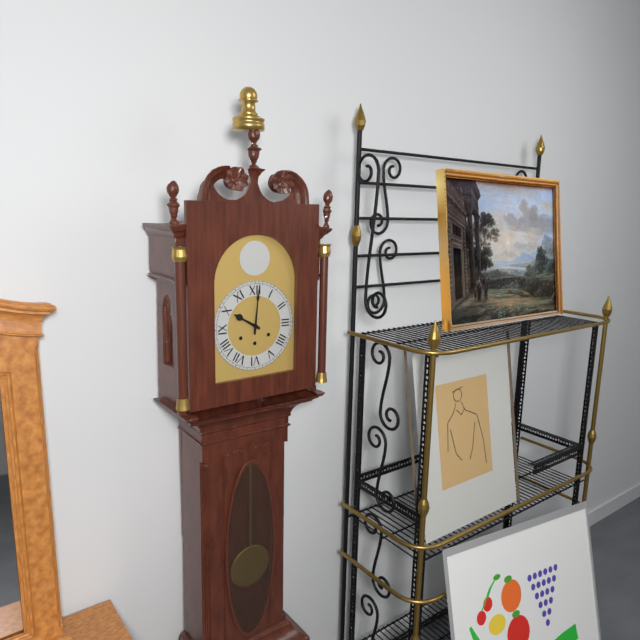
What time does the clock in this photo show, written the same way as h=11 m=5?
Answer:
h=10 m=1
